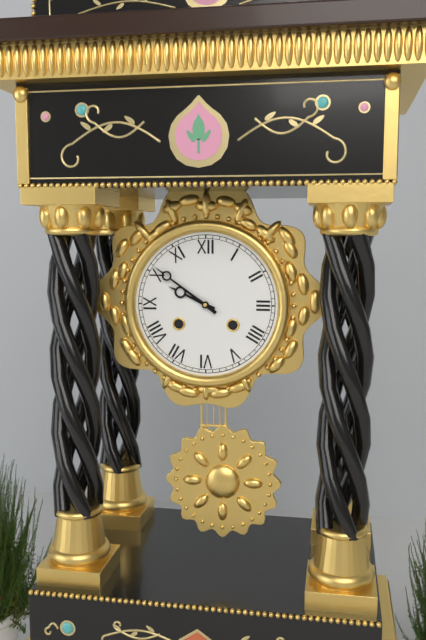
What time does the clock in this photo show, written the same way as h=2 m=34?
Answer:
h=9 m=51
